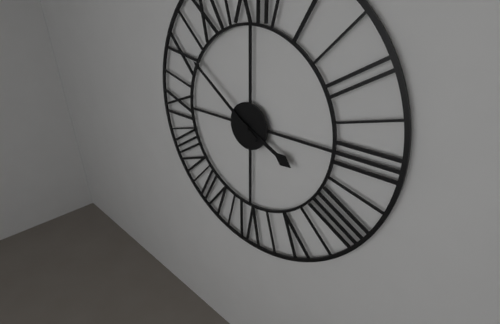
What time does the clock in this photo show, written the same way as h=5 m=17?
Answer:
h=3 m=51
